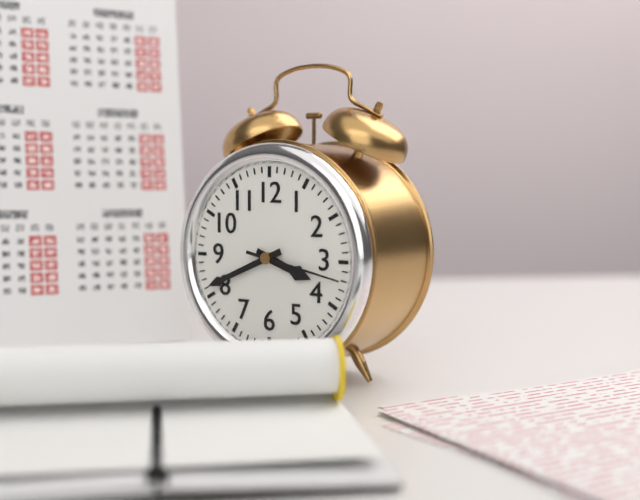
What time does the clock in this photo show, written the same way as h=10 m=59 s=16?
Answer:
h=3 m=41 s=17
